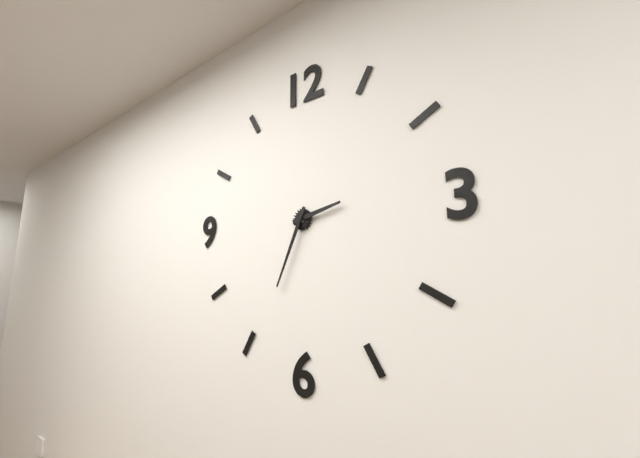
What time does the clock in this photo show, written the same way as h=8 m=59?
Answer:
h=2 m=34
